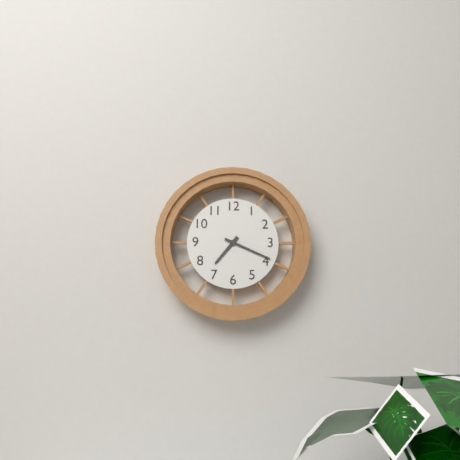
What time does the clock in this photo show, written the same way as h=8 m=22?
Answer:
h=7 m=19
